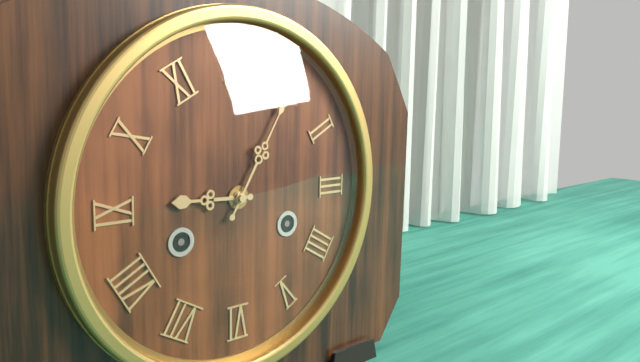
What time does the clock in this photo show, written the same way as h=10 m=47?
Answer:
h=9 m=5
